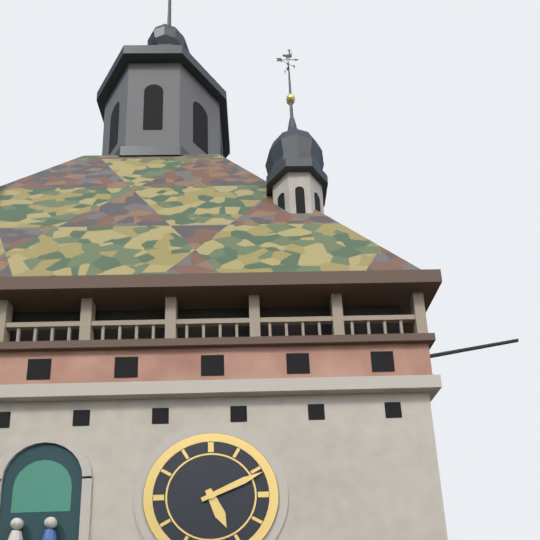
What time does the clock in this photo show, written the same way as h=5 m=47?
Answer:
h=5 m=11
